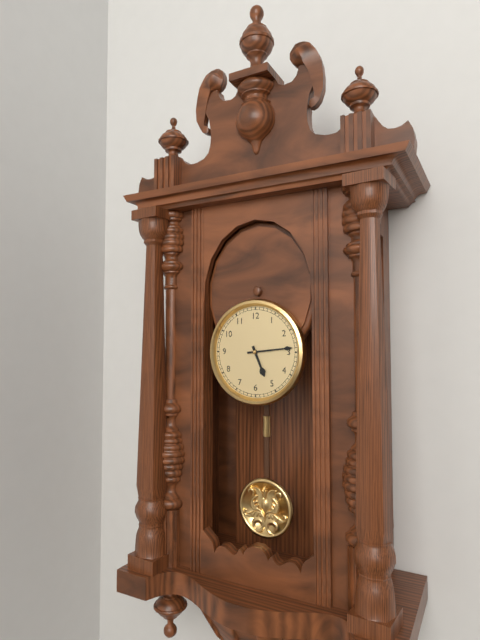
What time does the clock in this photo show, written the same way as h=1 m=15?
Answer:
h=5 m=14
